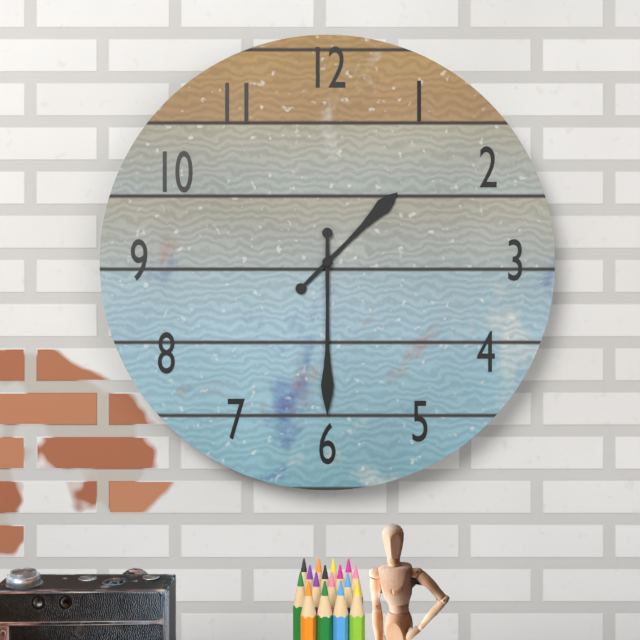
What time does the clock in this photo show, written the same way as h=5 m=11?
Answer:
h=1 m=30
